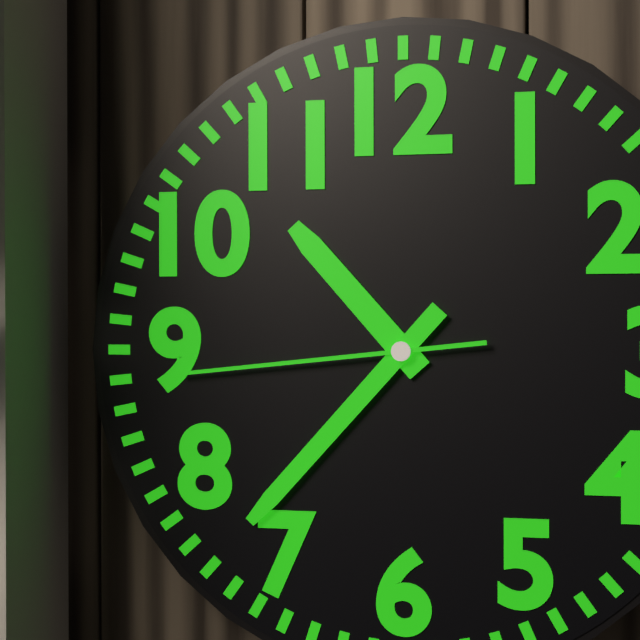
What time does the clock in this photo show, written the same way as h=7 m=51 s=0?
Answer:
h=10 m=37 s=44
